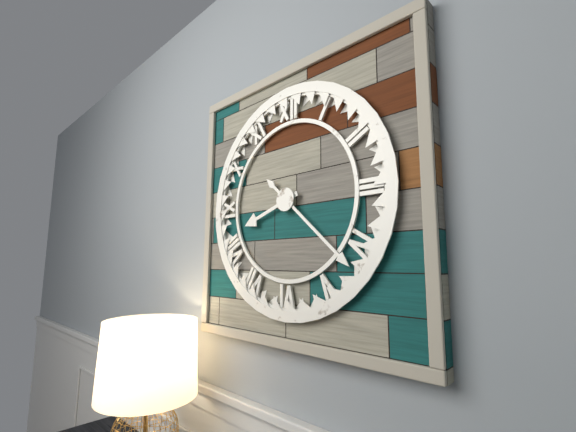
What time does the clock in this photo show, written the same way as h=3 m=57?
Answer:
h=8 m=22
